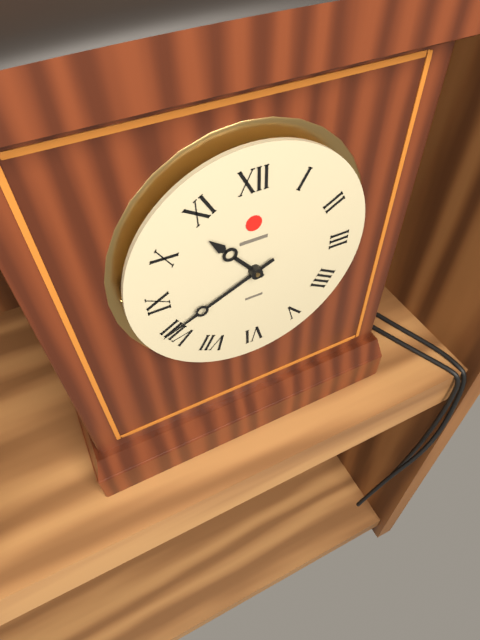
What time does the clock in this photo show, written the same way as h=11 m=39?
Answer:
h=10 m=41
